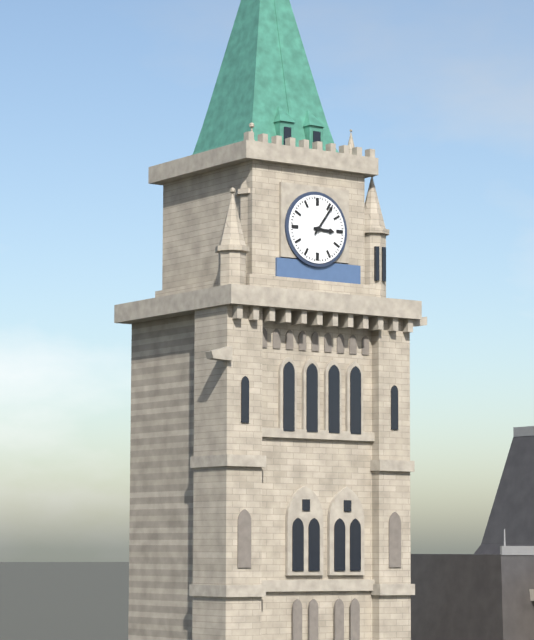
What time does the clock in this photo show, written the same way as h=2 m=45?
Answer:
h=3 m=6
